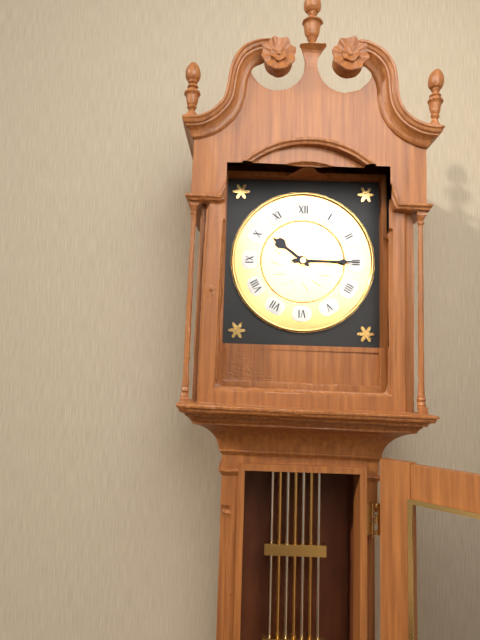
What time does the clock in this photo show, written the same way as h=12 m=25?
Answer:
h=10 m=15
